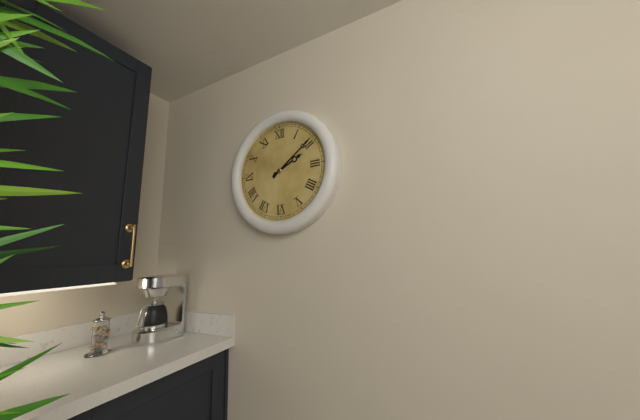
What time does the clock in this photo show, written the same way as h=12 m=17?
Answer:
h=2 m=9
